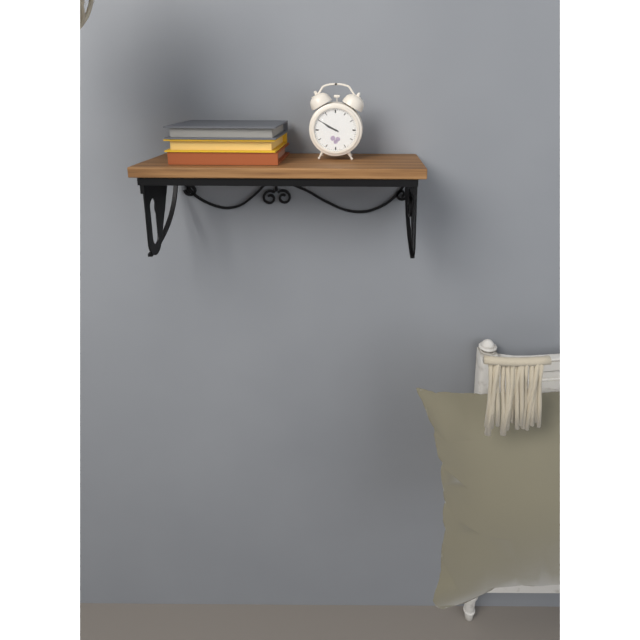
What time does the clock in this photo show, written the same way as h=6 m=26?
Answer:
h=9 m=50
